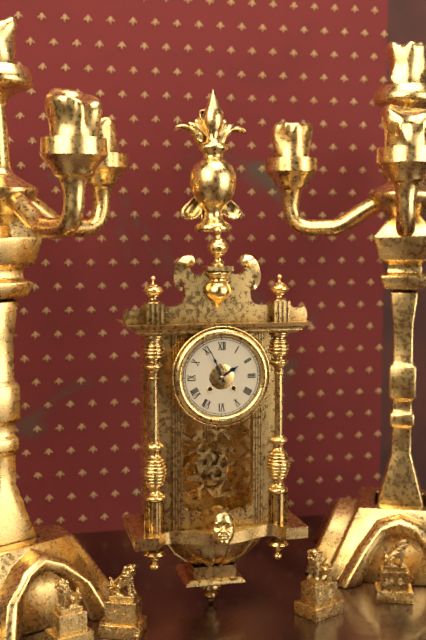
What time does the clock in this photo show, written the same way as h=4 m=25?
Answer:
h=1 m=56
